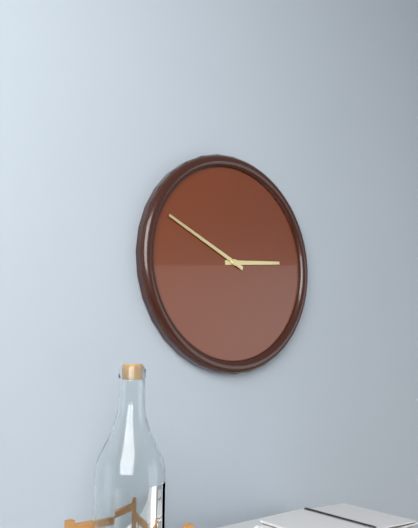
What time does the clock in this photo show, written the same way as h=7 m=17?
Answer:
h=2 m=49
